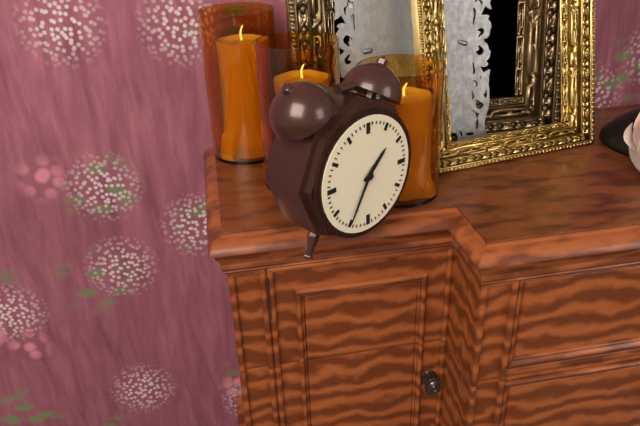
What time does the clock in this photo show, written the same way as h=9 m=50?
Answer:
h=1 m=35
